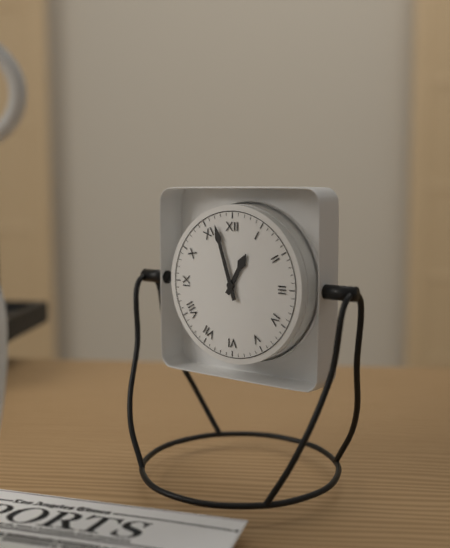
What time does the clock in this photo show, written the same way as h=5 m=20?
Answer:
h=12 m=57
